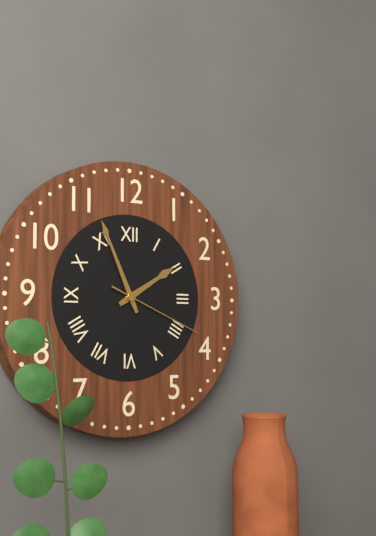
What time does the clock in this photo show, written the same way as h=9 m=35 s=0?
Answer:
h=1 m=56 s=19
